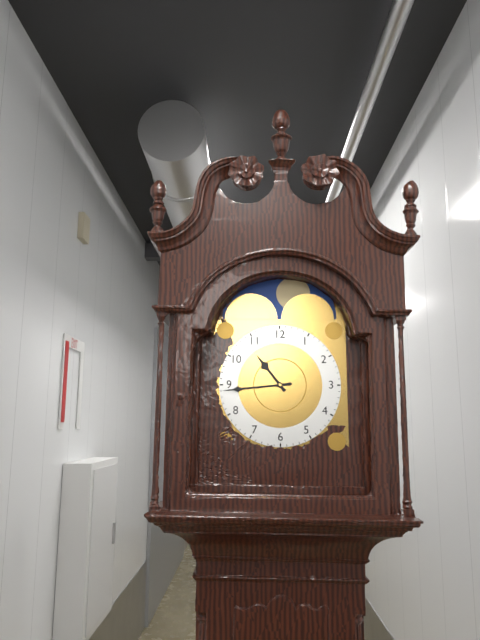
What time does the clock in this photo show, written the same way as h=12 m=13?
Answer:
h=10 m=44
